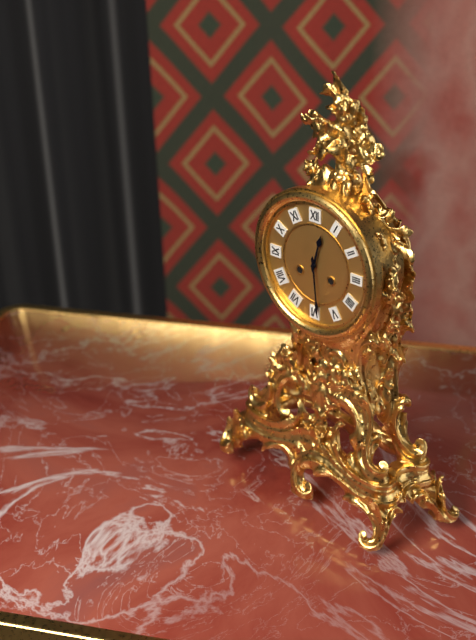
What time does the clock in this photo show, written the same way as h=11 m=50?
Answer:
h=12 m=29
